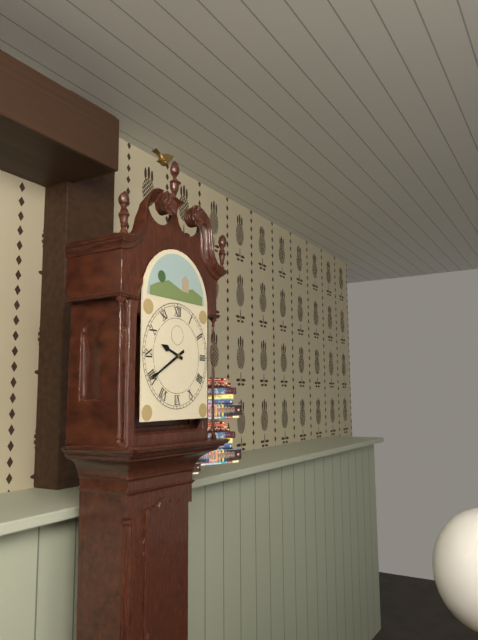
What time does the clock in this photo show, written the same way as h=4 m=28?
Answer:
h=9 m=40
